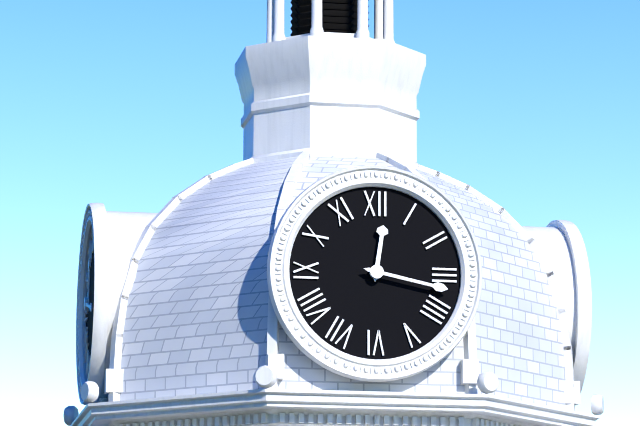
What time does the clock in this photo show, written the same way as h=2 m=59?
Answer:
h=12 m=17
